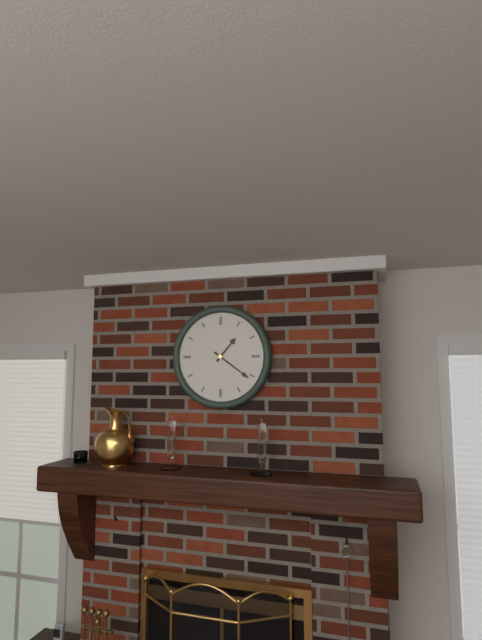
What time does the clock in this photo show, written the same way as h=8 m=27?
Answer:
h=1 m=21
